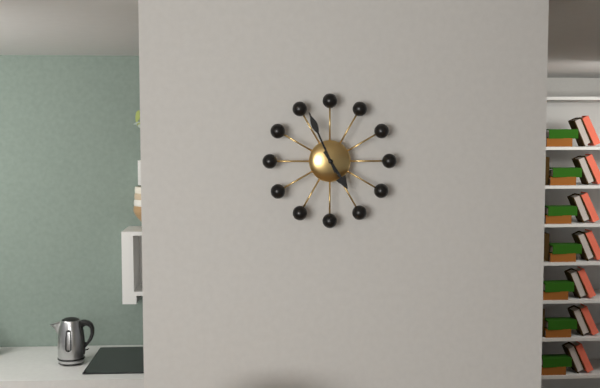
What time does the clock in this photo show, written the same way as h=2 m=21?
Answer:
h=4 m=56
